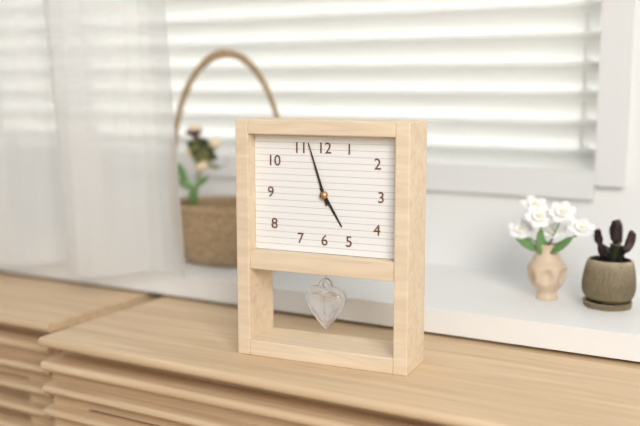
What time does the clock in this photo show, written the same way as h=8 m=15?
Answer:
h=4 m=57
